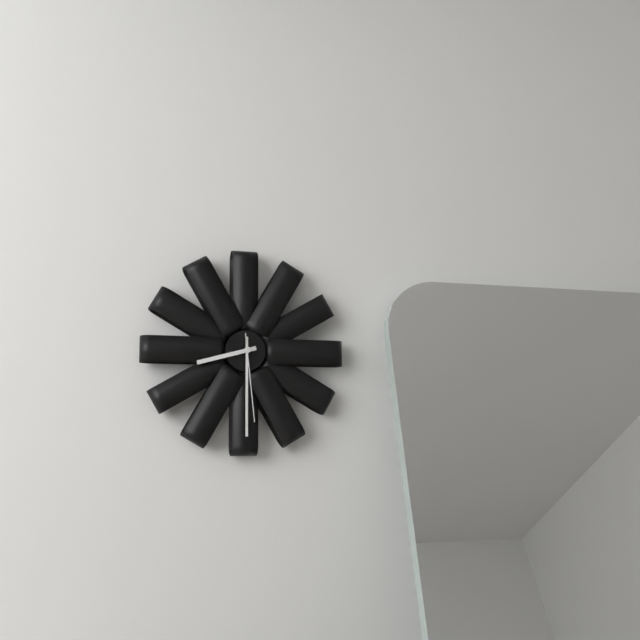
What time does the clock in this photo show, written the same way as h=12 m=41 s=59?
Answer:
h=8 m=30 s=29
